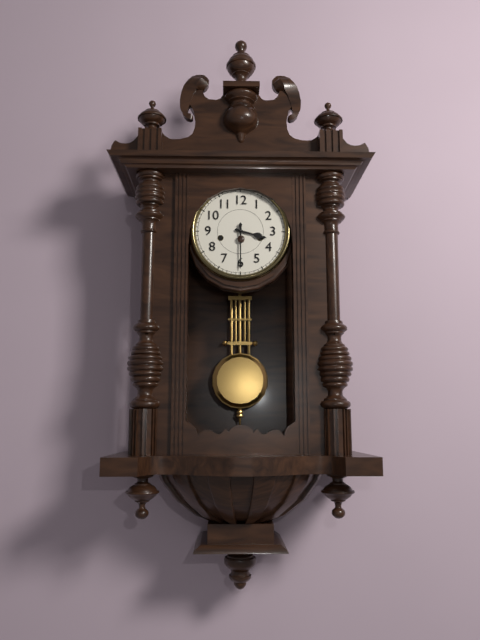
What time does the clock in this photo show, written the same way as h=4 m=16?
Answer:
h=3 m=30
